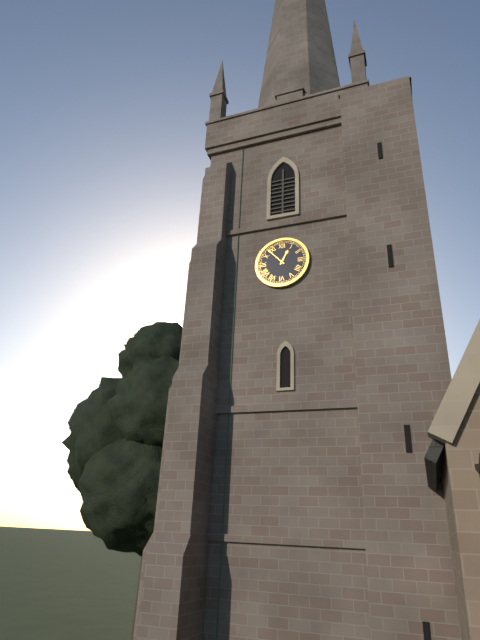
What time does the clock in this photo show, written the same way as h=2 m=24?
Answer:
h=12 m=53
